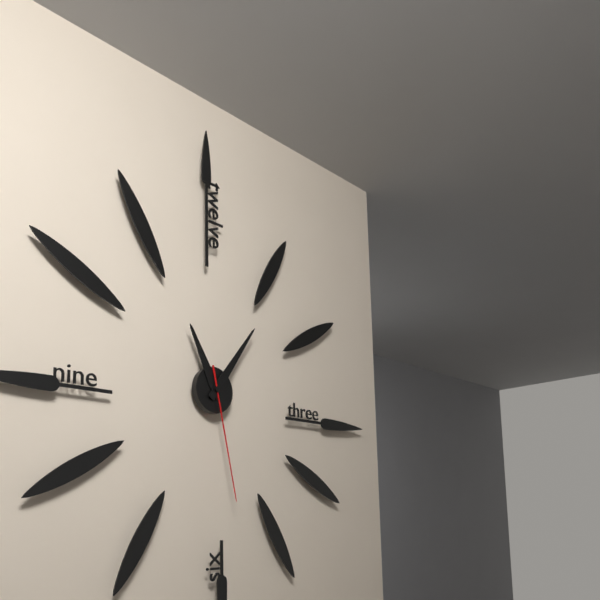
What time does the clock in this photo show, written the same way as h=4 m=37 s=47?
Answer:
h=11 m=6 s=28
